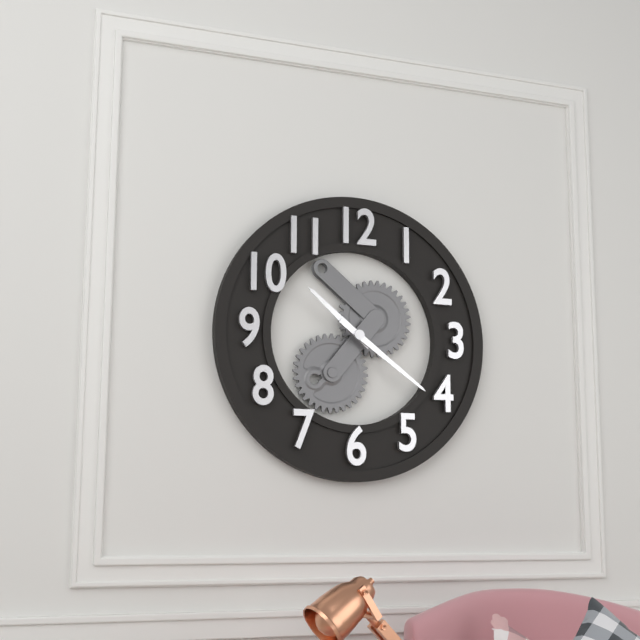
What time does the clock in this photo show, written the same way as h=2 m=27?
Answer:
h=10 m=21
